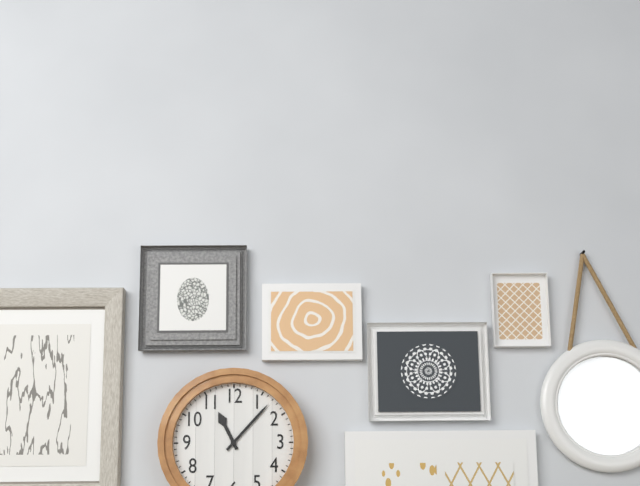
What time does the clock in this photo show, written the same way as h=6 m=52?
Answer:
h=11 m=7
